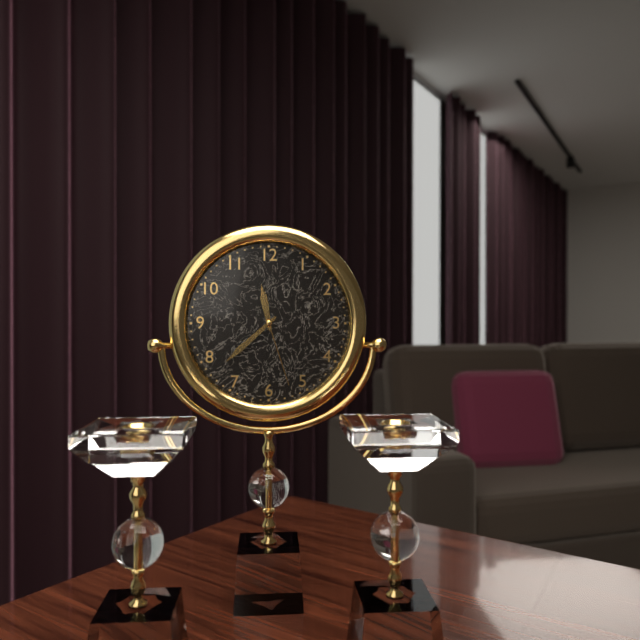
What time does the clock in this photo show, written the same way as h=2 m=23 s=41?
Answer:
h=11 m=38 s=27
